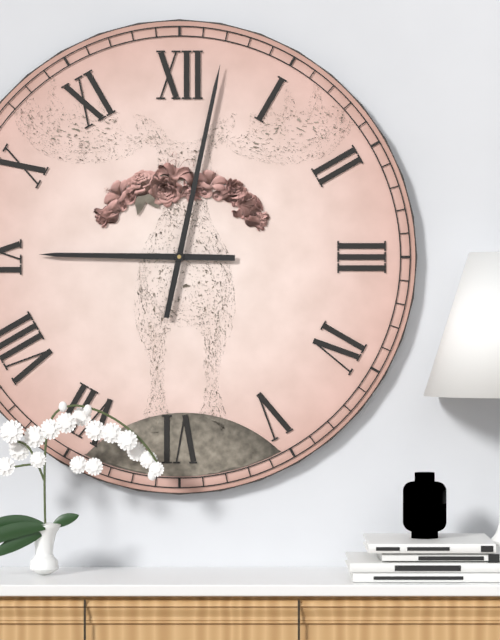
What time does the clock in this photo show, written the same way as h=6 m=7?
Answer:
h=9 m=2
